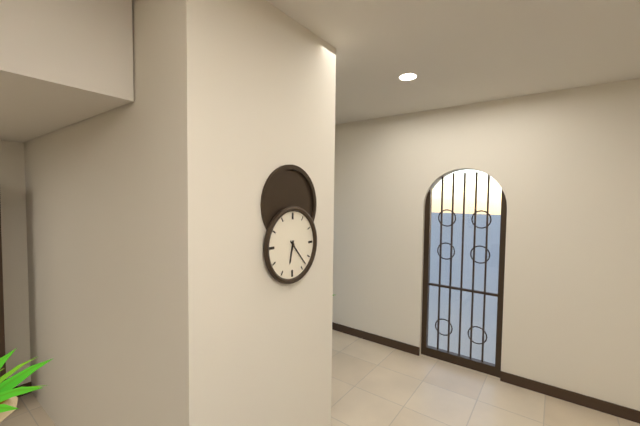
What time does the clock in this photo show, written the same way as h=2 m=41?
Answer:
h=6 m=23
